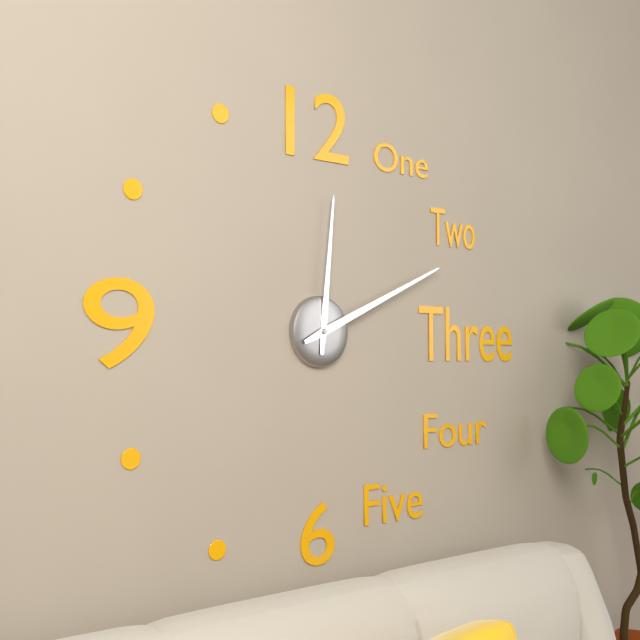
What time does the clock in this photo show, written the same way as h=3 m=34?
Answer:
h=12 m=11
